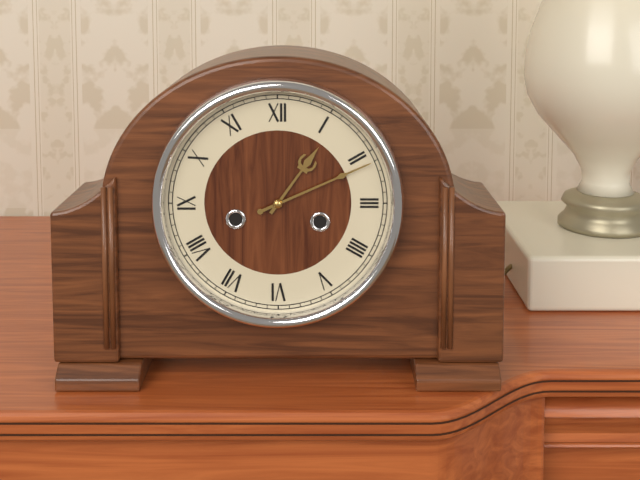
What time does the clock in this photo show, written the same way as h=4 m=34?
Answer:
h=1 m=11
